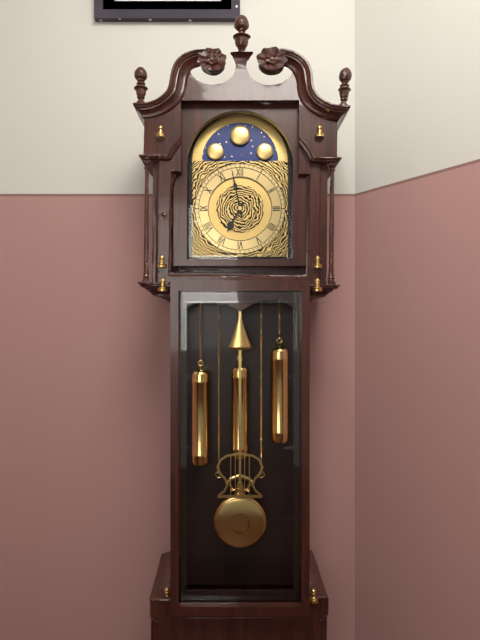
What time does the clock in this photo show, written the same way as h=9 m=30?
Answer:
h=6 m=58
